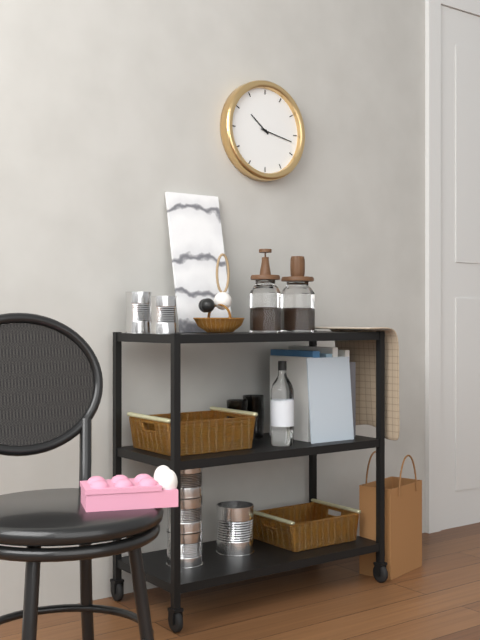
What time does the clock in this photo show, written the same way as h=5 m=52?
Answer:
h=10 m=17
